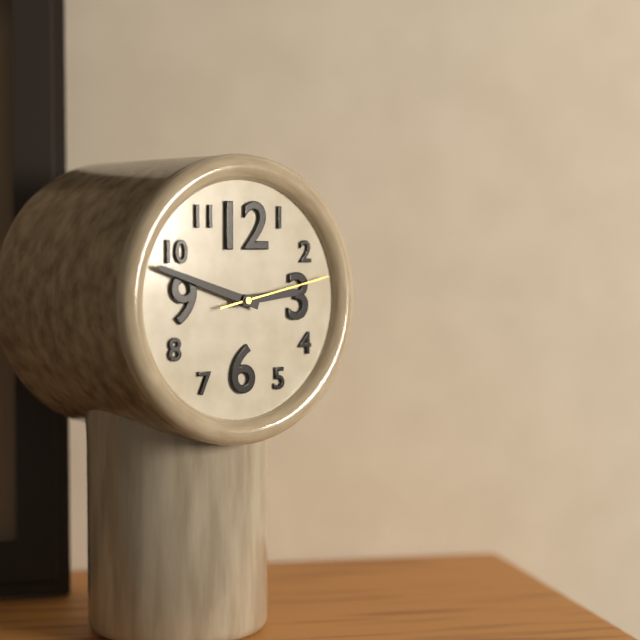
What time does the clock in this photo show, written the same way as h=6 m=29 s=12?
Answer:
h=2 m=48 s=13
